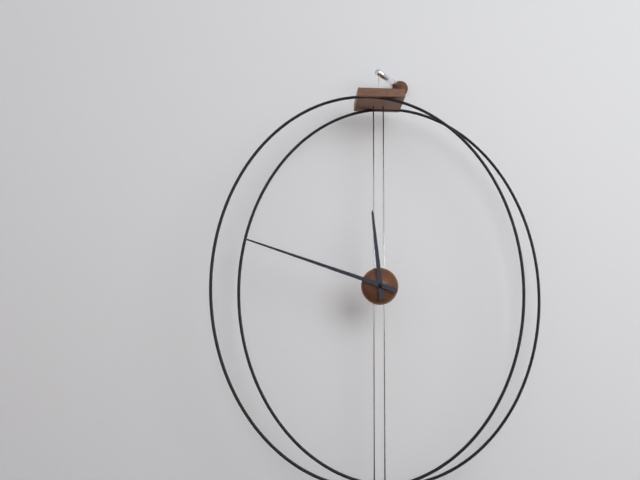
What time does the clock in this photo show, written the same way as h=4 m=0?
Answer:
h=11 m=48
